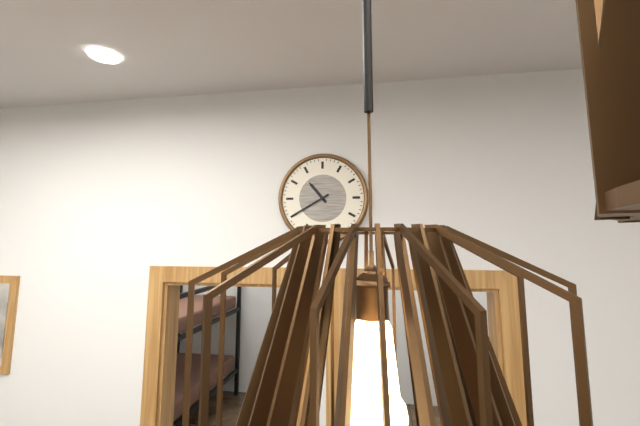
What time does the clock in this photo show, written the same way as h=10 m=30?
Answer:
h=10 m=40
